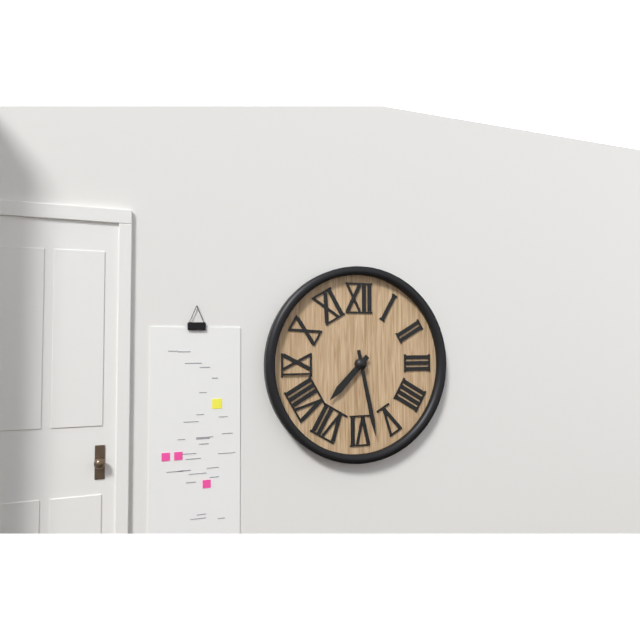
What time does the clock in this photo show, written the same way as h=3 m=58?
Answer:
h=7 m=28
